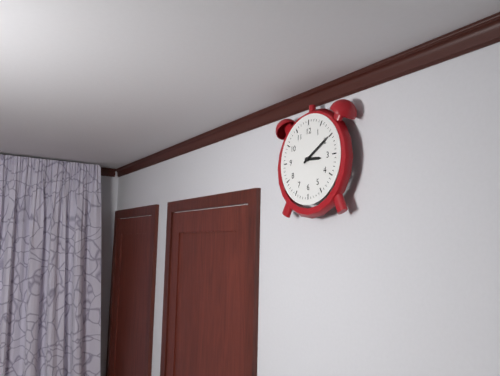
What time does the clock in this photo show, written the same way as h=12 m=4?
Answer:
h=3 m=10
